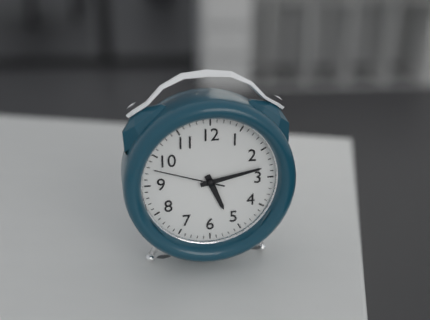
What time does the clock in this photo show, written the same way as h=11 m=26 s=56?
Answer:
h=5 m=13 s=48
